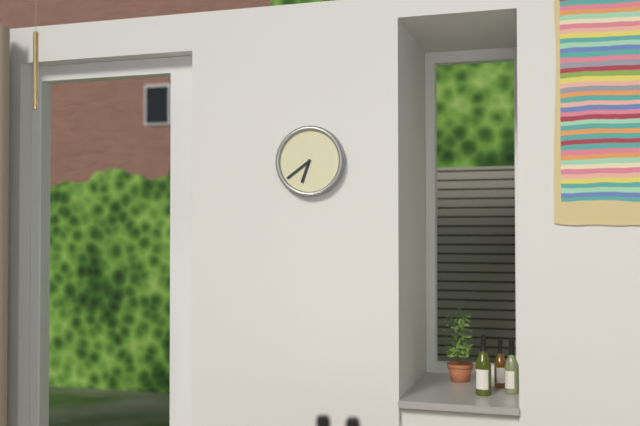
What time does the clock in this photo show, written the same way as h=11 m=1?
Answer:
h=6 m=39
